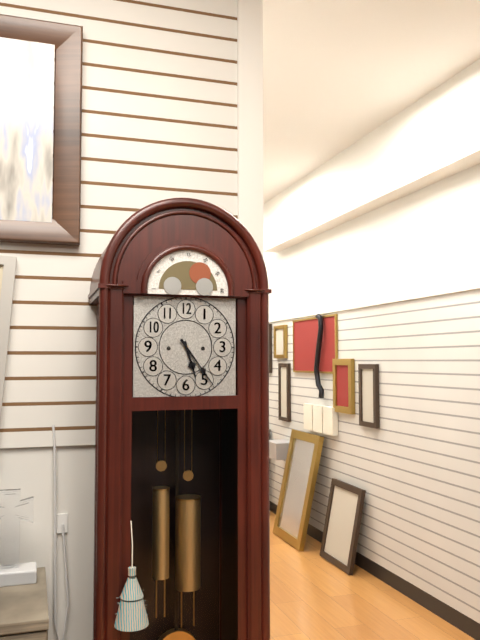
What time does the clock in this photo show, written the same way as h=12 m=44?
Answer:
h=5 m=24
